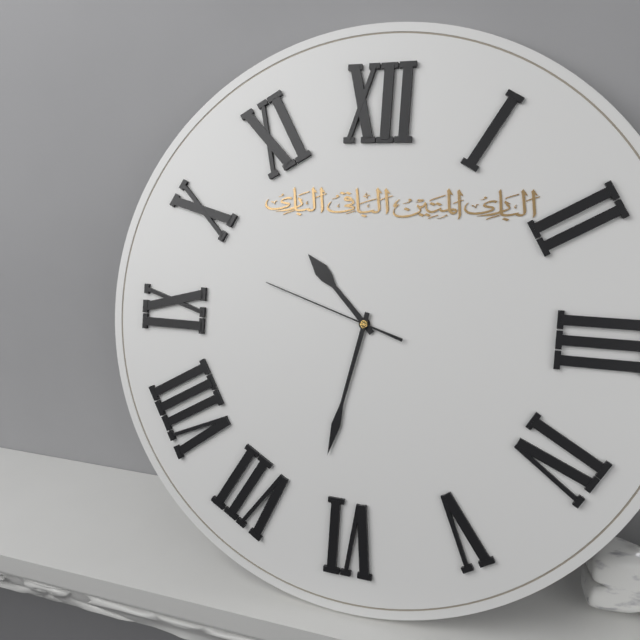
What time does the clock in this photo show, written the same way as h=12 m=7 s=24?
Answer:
h=10 m=32 s=48
